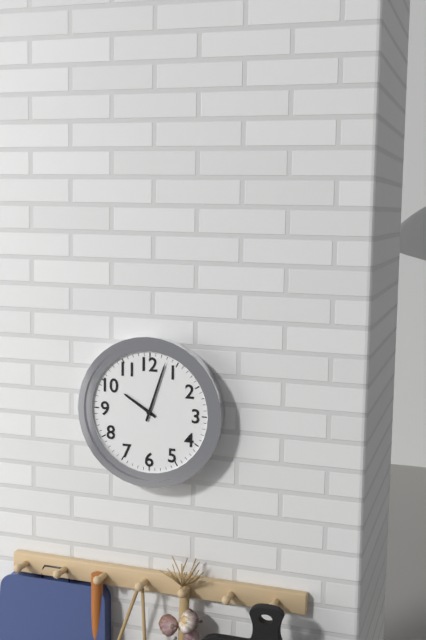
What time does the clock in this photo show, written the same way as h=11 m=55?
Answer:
h=10 m=3
